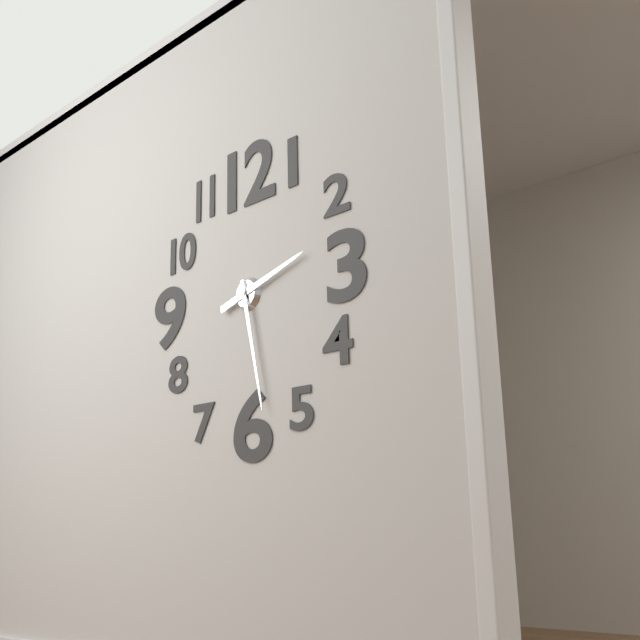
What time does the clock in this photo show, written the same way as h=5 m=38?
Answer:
h=2 m=28
